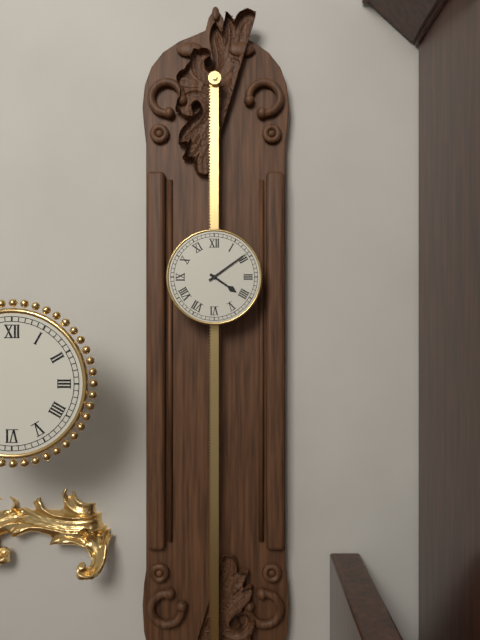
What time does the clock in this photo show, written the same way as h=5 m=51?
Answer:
h=4 m=9
